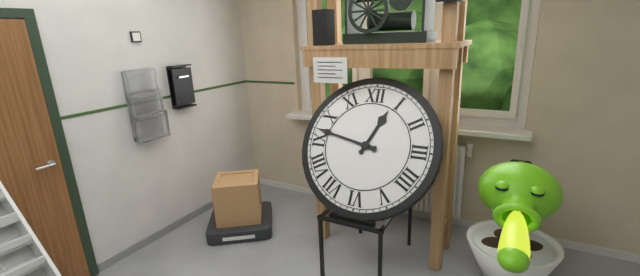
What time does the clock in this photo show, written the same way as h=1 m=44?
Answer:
h=12 m=47
